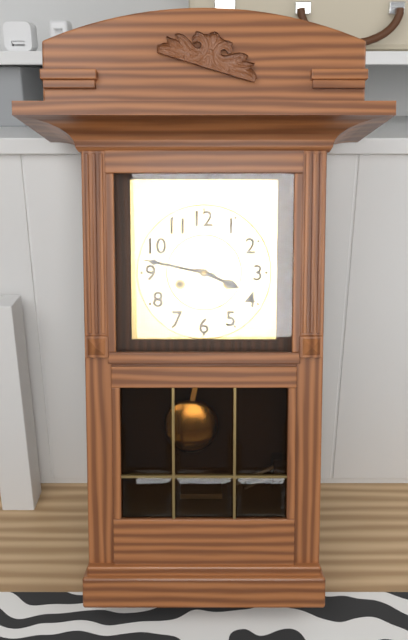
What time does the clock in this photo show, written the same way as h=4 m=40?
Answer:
h=3 m=47
